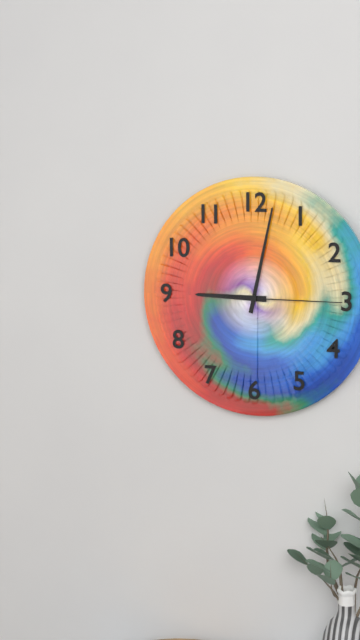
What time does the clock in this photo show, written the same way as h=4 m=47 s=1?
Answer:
h=9 m=2 s=15
